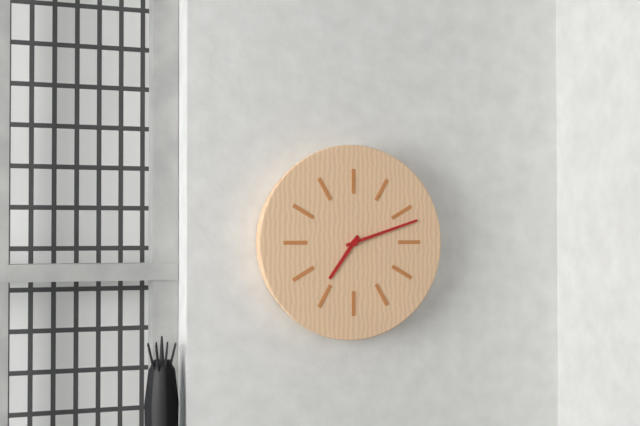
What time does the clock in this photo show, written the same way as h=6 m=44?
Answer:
h=7 m=12
